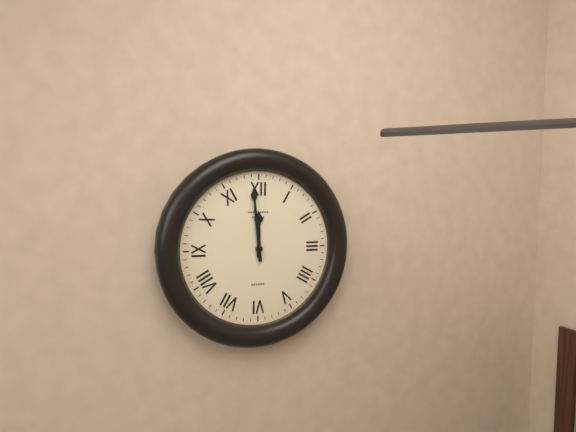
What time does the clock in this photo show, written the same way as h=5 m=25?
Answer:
h=11 m=59
